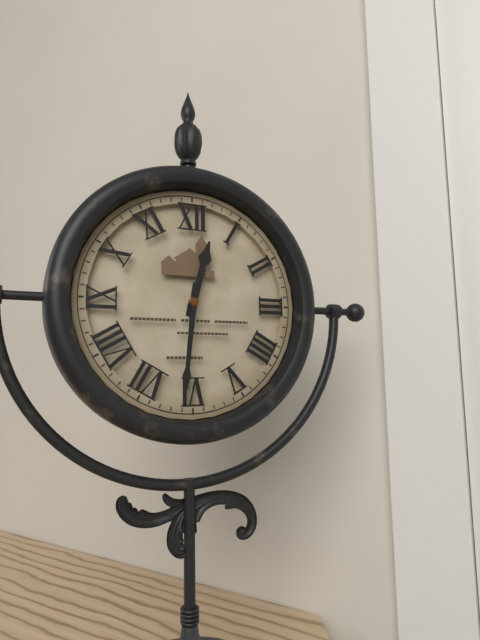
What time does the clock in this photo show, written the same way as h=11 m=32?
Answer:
h=12 m=31
